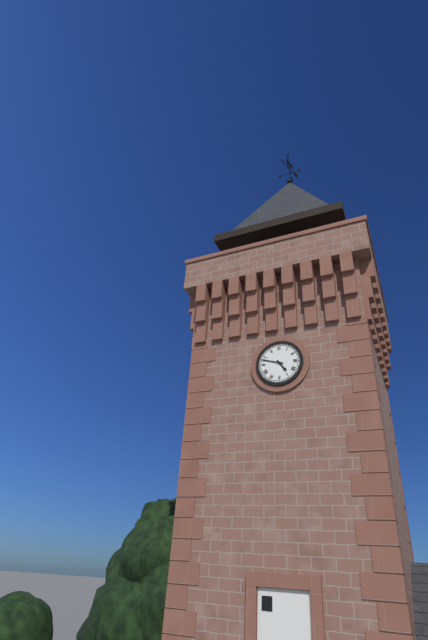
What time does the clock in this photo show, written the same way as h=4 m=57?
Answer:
h=4 m=48
